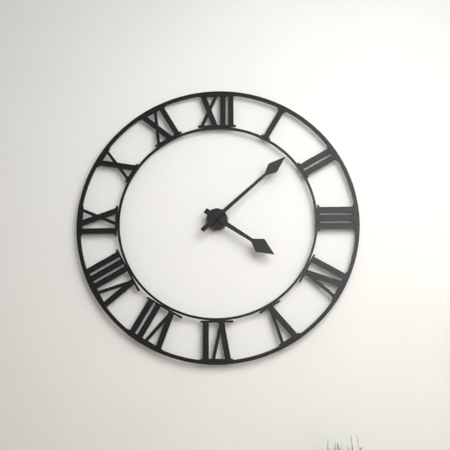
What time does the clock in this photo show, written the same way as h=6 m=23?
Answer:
h=4 m=8
